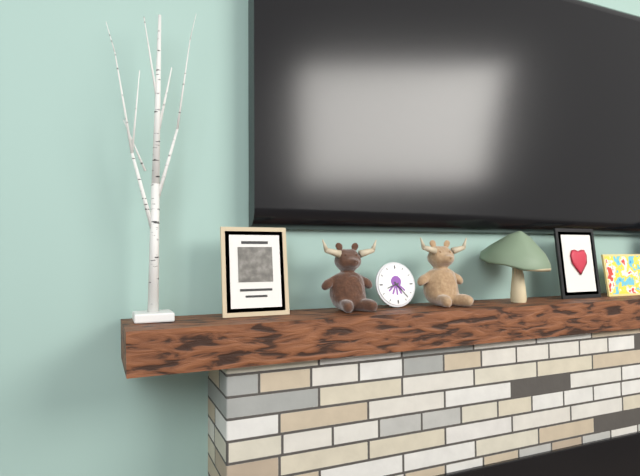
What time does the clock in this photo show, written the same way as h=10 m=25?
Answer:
h=8 m=23
